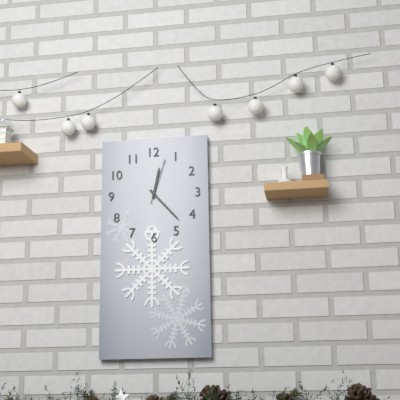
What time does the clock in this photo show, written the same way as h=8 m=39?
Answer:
h=12 m=23
